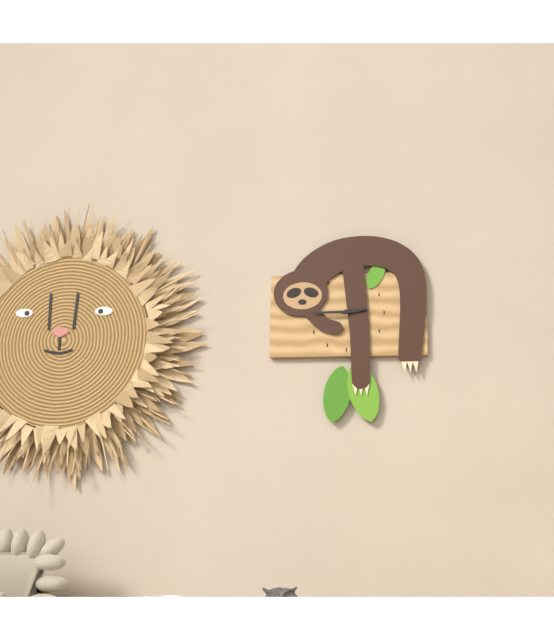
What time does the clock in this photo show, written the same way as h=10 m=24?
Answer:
h=2 m=45
